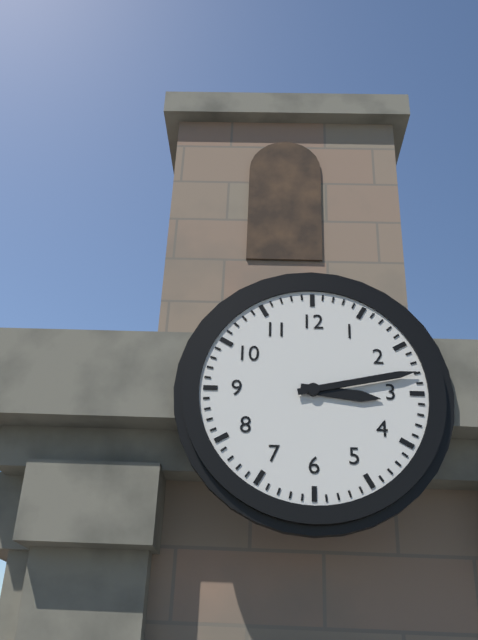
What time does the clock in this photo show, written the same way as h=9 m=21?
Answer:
h=3 m=13
